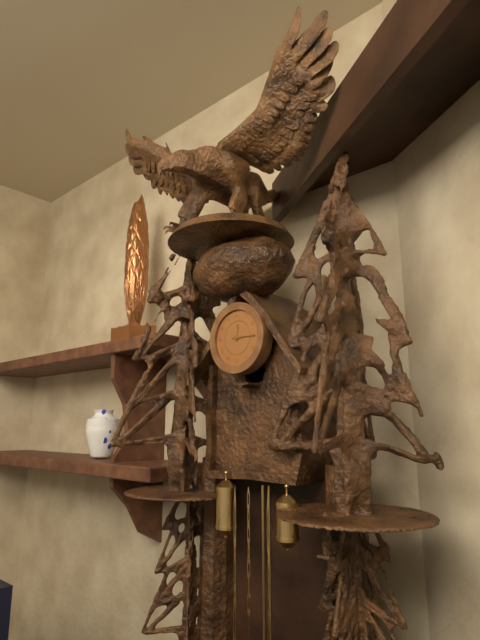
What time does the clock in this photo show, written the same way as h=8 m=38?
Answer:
h=12 m=15
